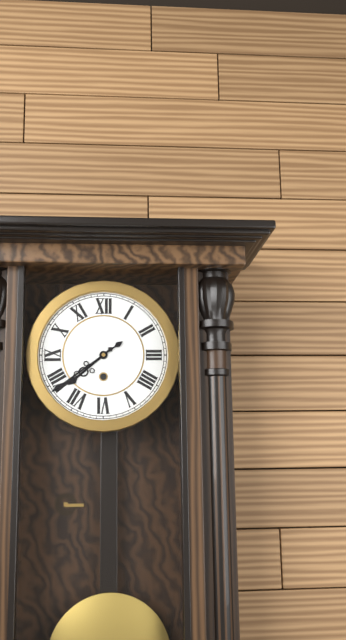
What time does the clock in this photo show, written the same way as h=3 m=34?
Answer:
h=7 m=39
